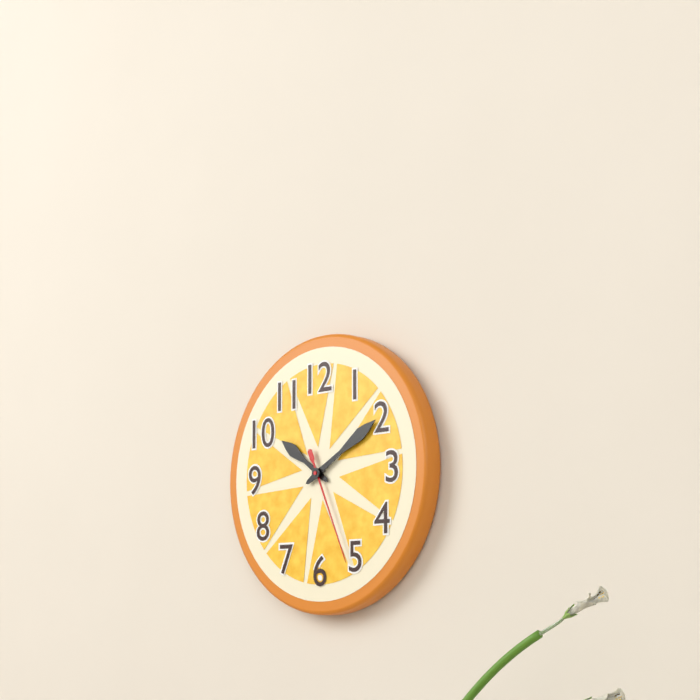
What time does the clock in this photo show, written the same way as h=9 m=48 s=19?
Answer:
h=10 m=10 s=26
